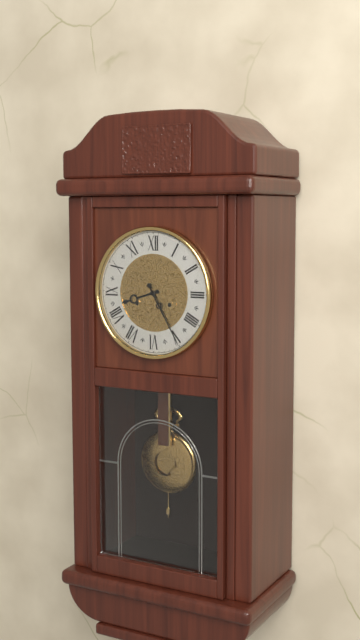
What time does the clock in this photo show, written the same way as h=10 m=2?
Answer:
h=8 m=25
